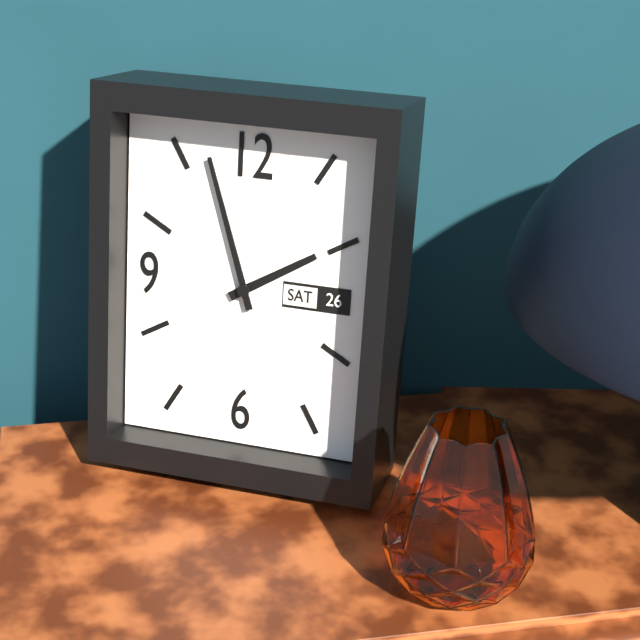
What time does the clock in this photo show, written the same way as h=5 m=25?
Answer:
h=1 m=57
